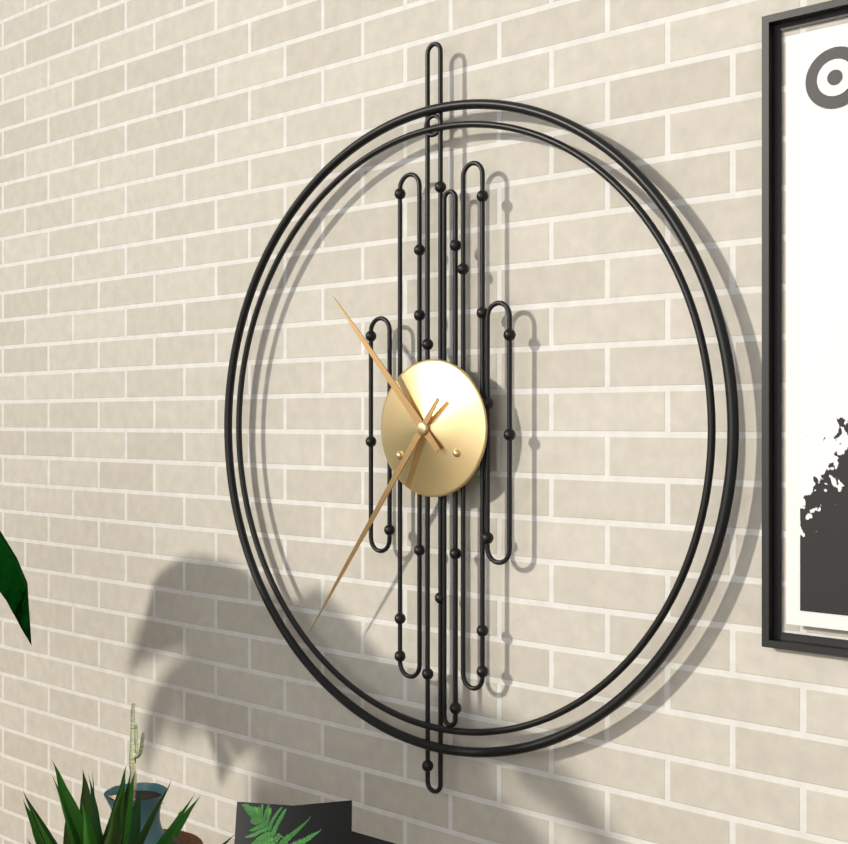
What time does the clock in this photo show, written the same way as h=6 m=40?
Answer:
h=10 m=36
